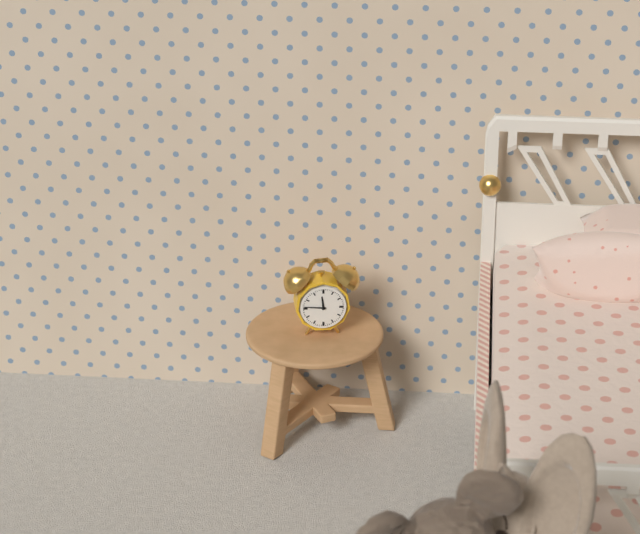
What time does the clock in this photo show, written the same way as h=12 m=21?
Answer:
h=11 m=46
